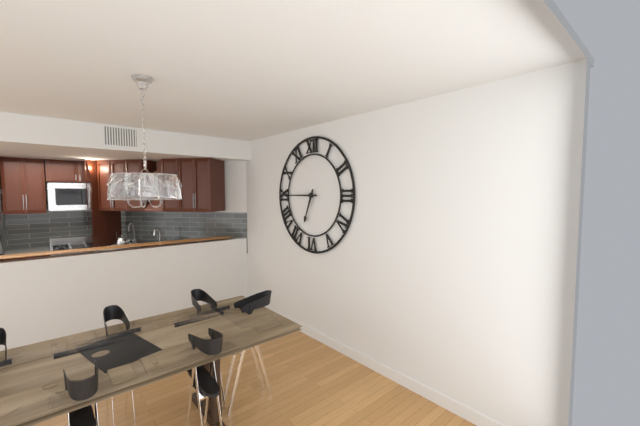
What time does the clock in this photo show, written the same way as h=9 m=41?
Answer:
h=6 m=45
